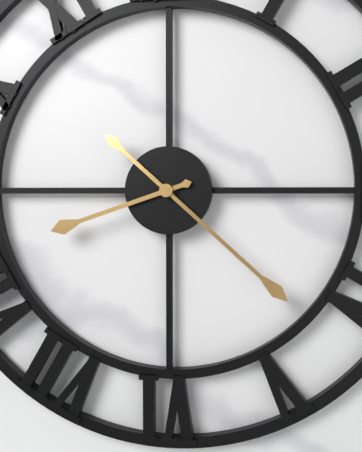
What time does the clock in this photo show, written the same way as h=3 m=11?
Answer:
h=8 m=22
